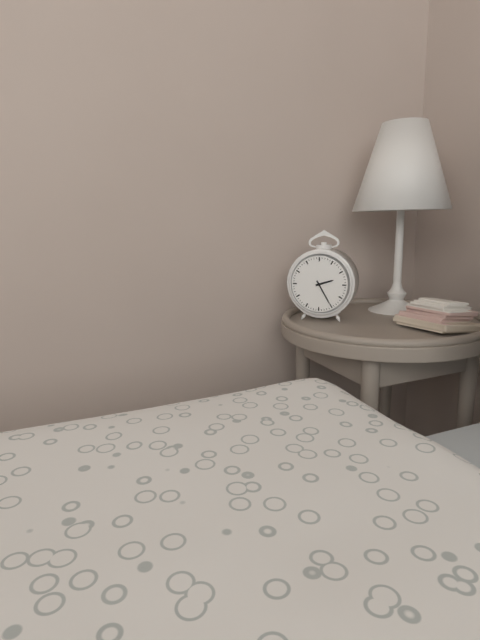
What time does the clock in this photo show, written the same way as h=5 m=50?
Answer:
h=2 m=25
